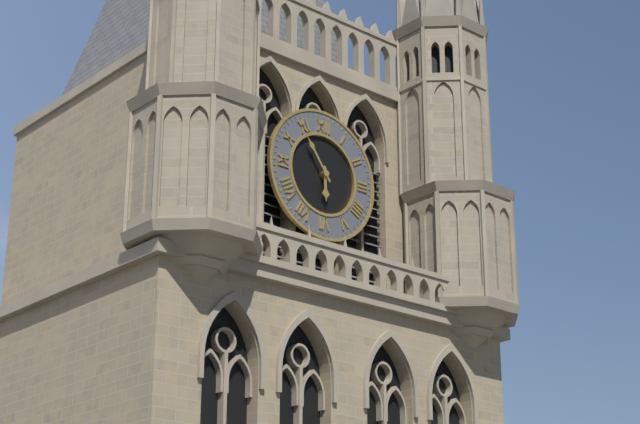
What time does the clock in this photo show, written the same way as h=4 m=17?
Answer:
h=5 m=54
